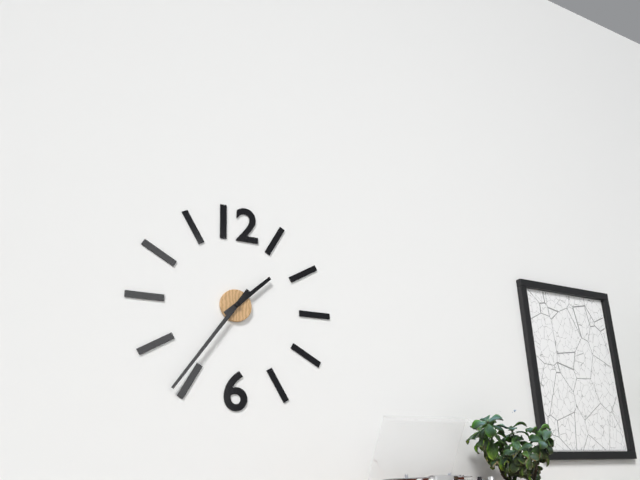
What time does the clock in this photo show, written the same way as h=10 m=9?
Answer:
h=1 m=36
